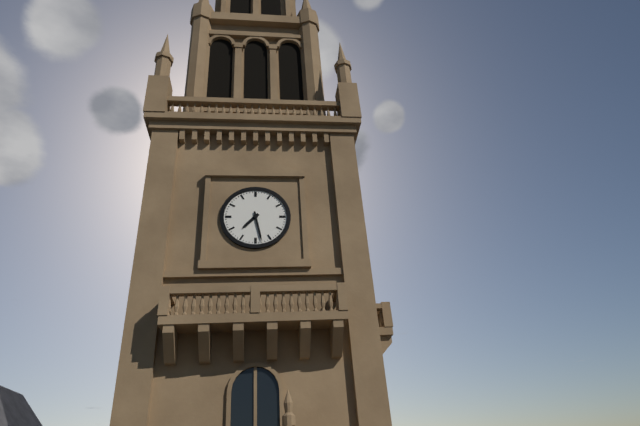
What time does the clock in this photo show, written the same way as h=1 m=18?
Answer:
h=7 m=28
